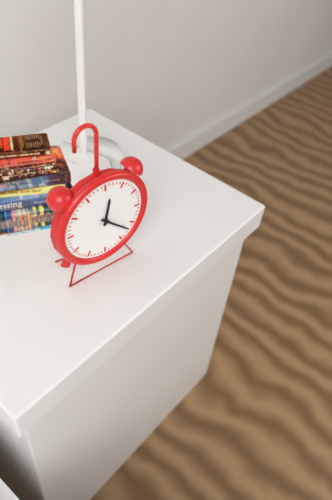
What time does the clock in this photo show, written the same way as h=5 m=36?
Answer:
h=12 m=22
